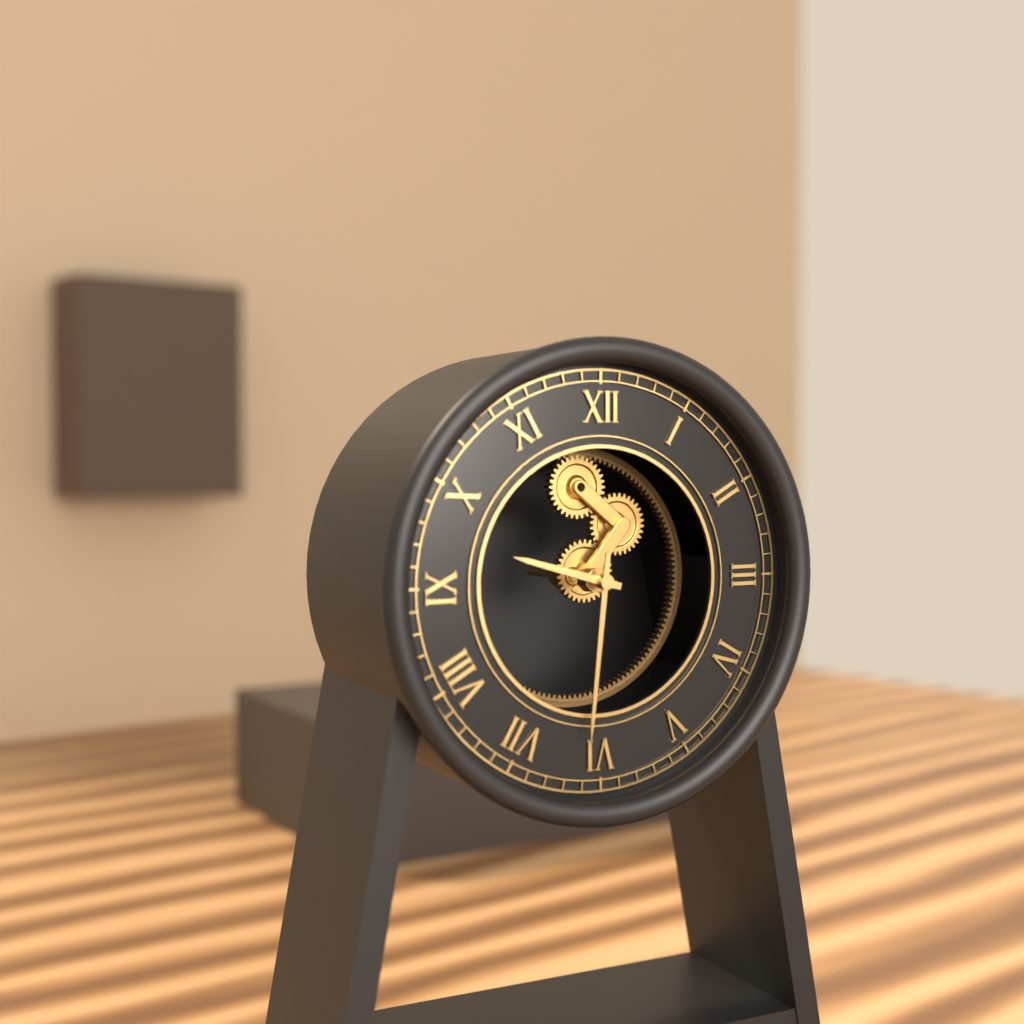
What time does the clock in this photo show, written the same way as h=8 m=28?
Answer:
h=9 m=31
